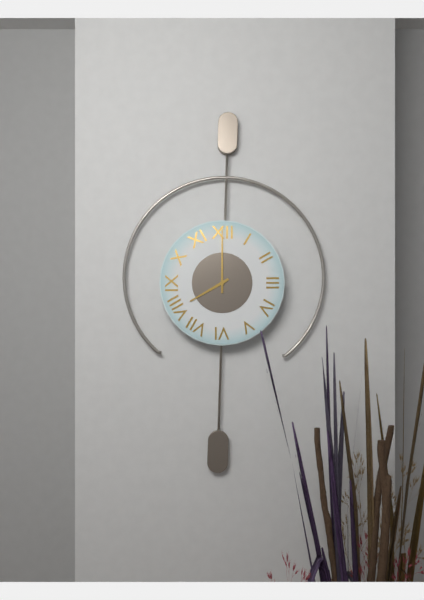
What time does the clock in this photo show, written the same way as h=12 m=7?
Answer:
h=8 m=0
